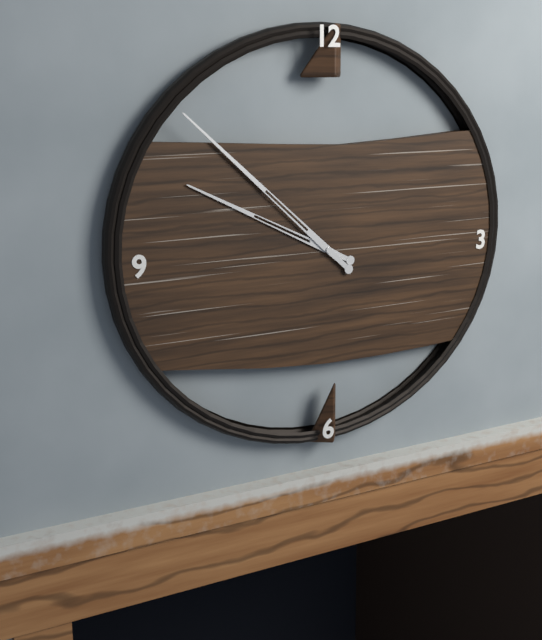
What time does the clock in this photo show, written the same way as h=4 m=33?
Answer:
h=9 m=52
